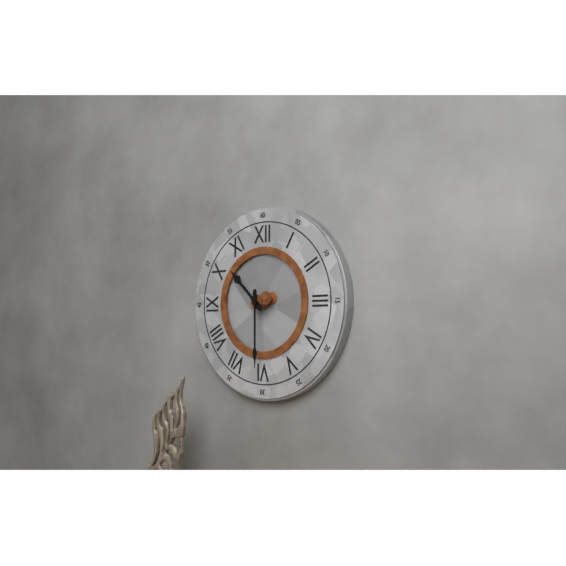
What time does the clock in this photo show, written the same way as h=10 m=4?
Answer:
h=10 m=30
